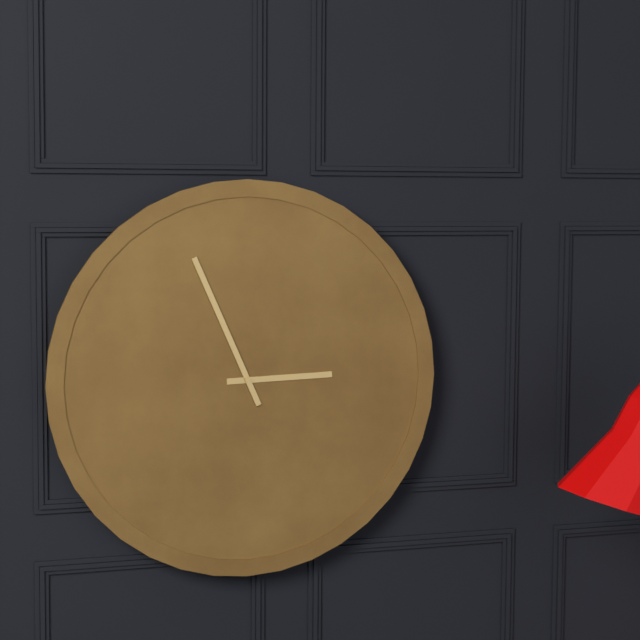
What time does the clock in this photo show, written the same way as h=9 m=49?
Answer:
h=2 m=56
